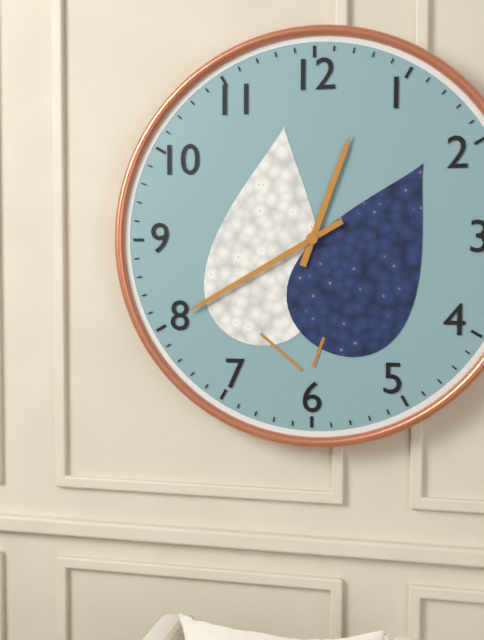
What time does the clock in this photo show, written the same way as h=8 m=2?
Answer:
h=12 m=40
